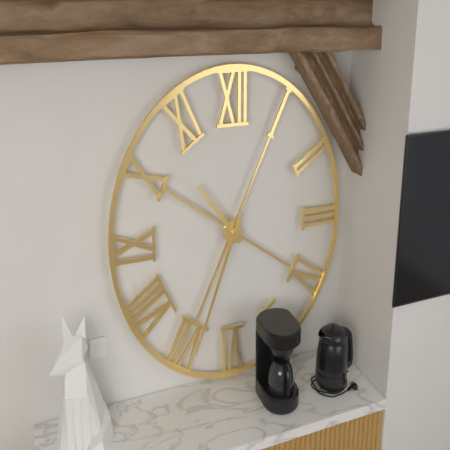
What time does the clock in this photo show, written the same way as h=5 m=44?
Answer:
h=10 m=34
